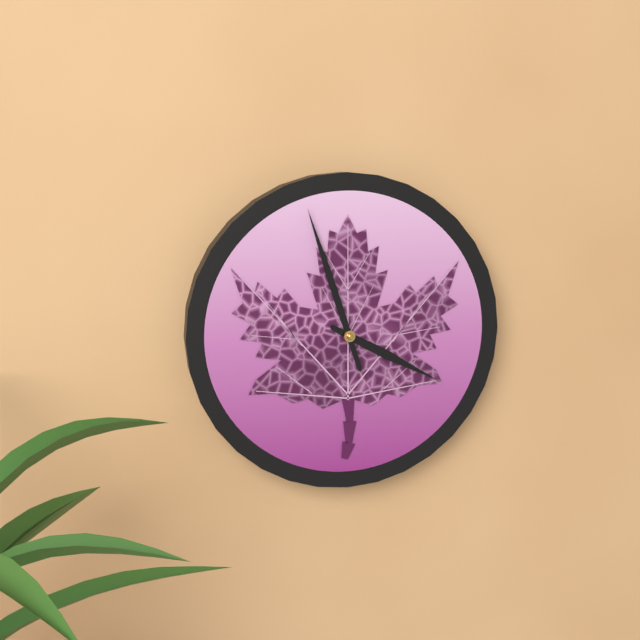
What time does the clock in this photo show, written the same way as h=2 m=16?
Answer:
h=3 m=57
